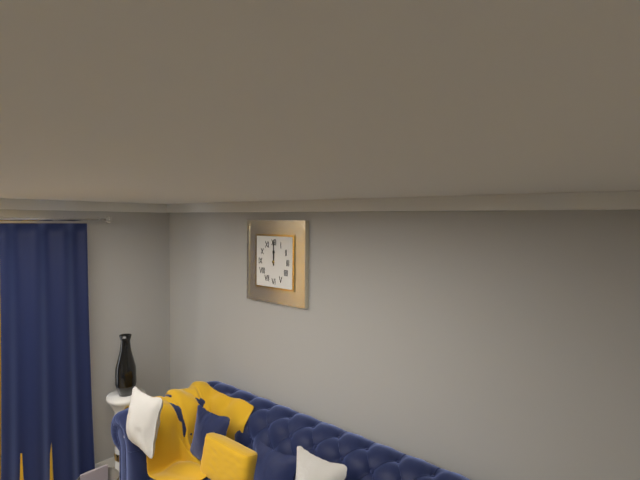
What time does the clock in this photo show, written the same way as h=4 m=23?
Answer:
h=12 m=0
